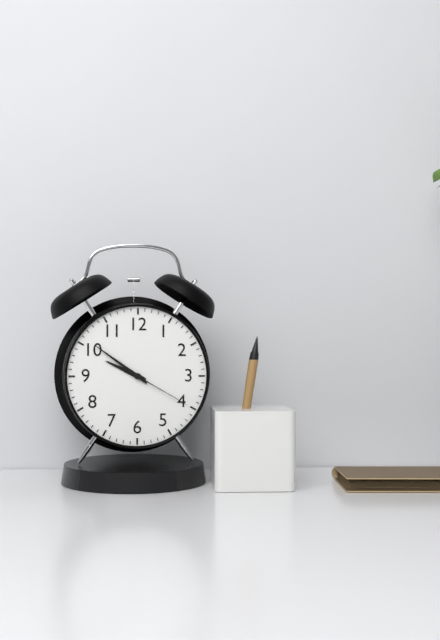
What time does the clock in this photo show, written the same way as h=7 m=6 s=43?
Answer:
h=9 m=51 s=20
